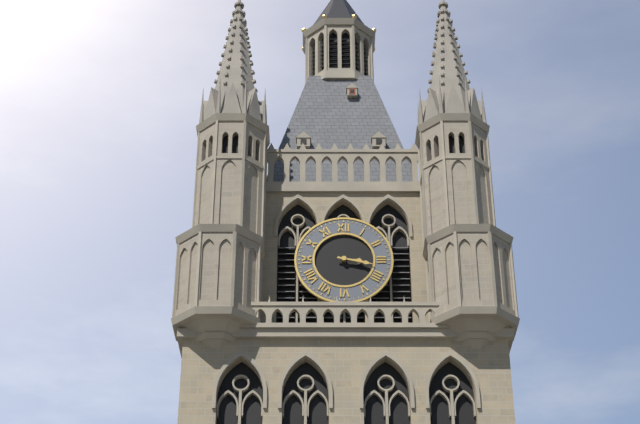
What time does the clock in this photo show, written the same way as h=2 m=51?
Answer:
h=3 m=17
